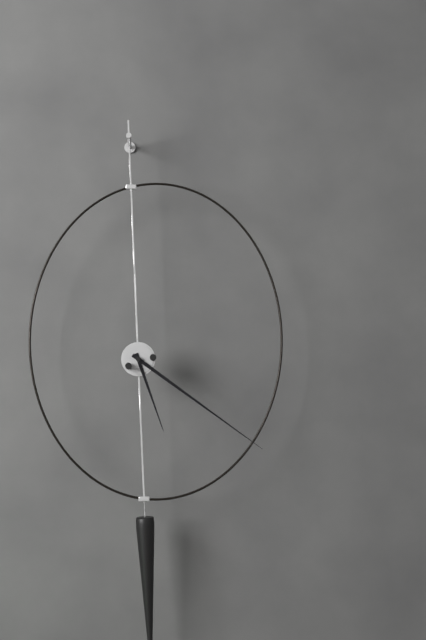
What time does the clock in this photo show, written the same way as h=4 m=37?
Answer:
h=5 m=21
